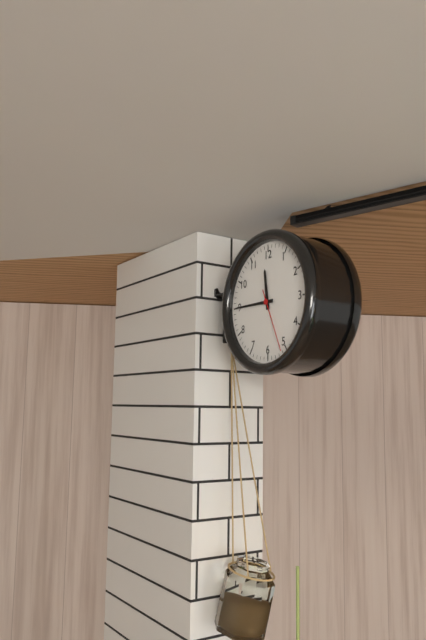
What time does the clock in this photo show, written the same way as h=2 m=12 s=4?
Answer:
h=11 m=45 s=26
